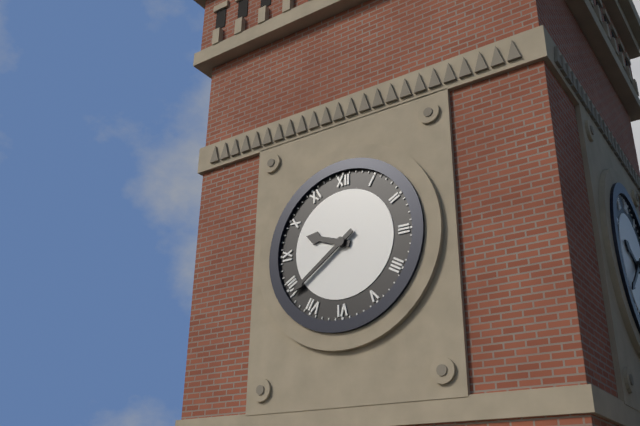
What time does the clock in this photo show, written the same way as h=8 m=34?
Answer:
h=9 m=39
